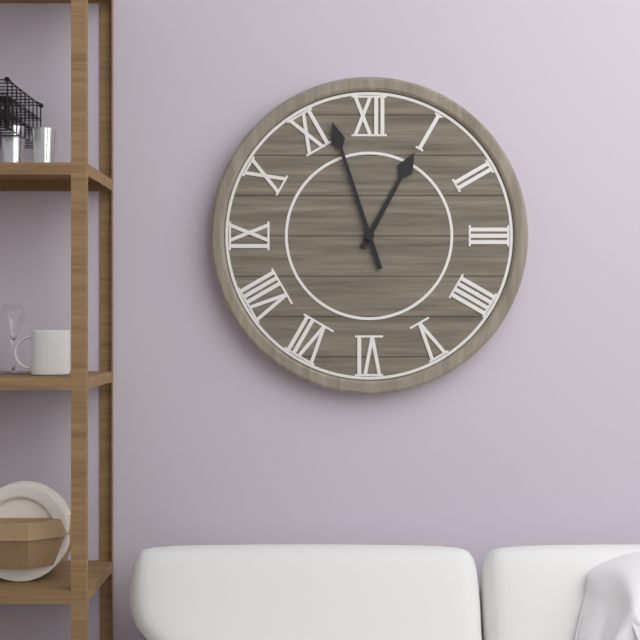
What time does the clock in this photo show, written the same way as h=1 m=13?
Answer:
h=12 m=57
